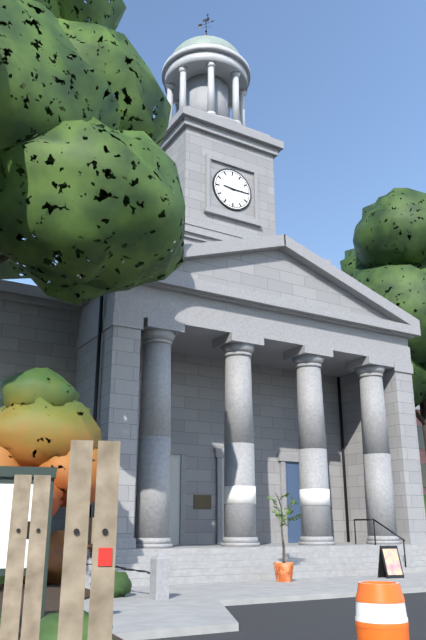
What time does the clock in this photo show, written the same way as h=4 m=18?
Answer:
h=9 m=15
